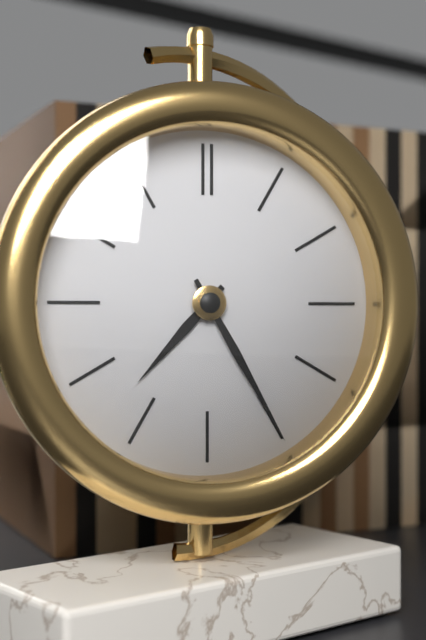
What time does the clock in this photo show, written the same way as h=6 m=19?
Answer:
h=7 m=25
